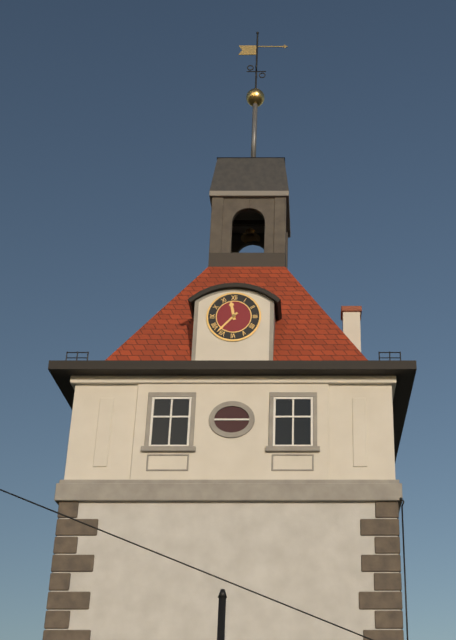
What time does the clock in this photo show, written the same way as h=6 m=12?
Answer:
h=11 m=37
